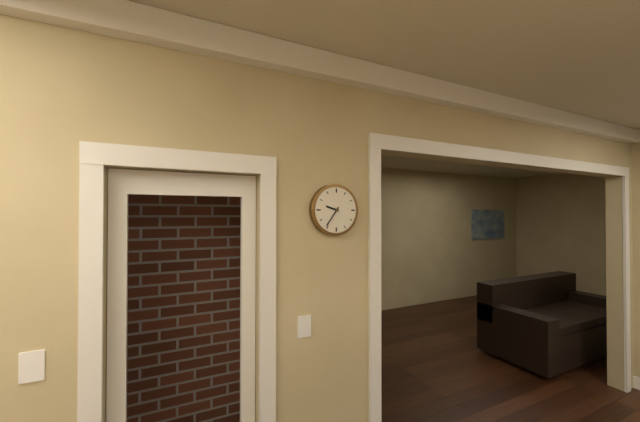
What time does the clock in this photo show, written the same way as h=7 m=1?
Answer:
h=9 m=36
